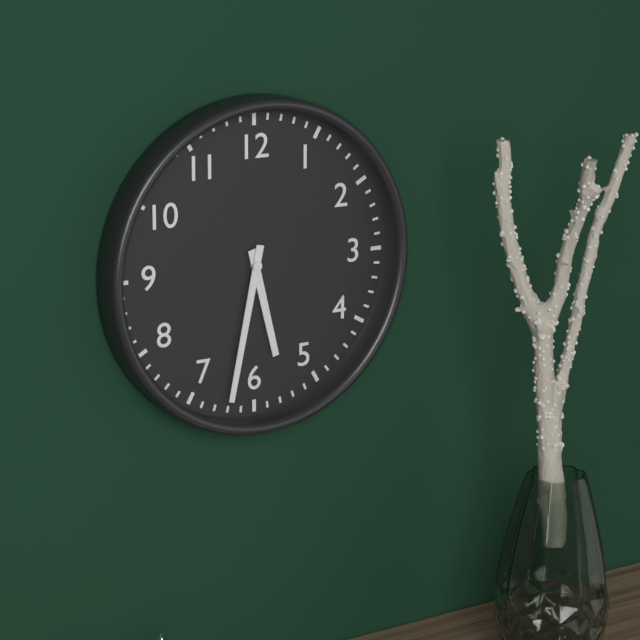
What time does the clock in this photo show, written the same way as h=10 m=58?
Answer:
h=5 m=32
